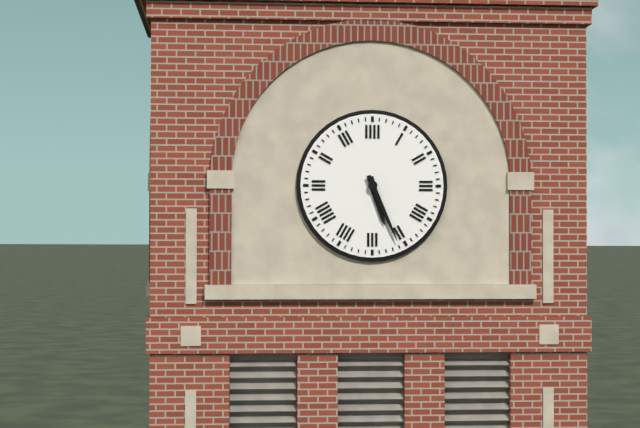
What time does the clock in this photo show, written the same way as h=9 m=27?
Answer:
h=5 m=26
